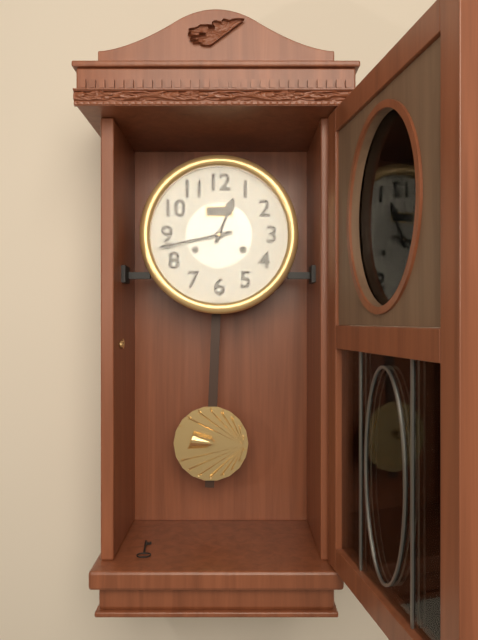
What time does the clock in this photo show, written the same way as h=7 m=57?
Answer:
h=12 m=43
